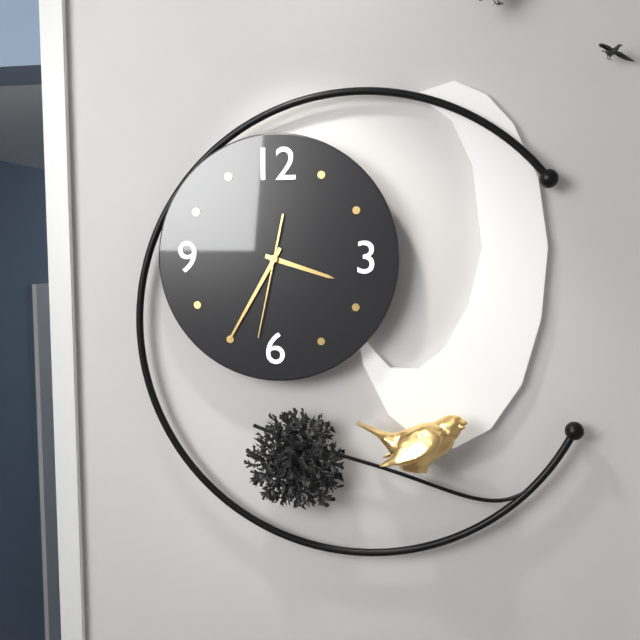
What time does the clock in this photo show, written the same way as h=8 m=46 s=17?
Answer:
h=3 m=35 s=32
